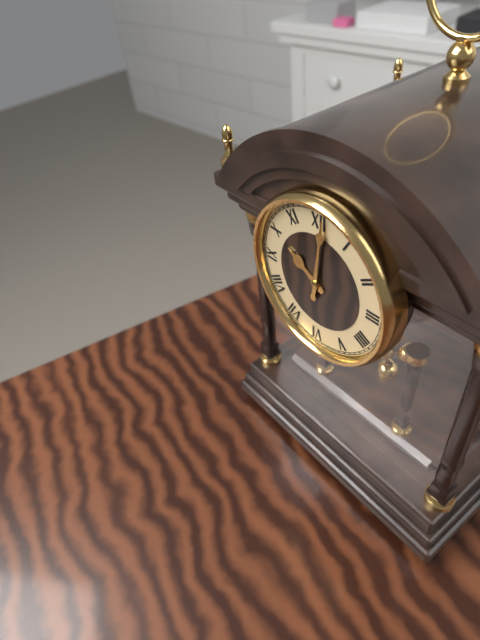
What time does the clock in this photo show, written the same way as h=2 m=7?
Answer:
h=10 m=1
